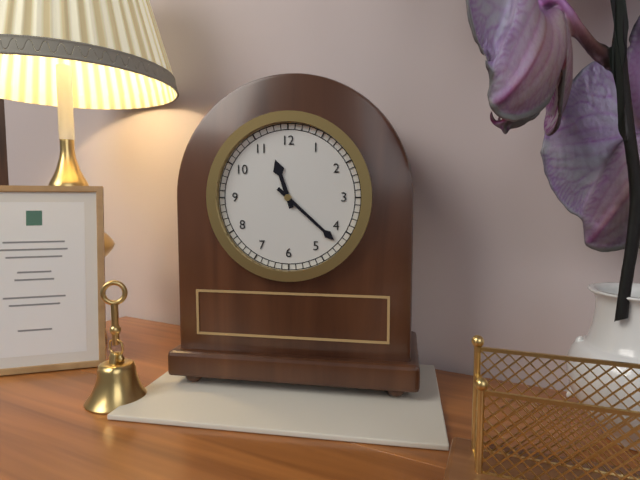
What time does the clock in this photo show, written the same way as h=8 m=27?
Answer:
h=11 m=22
